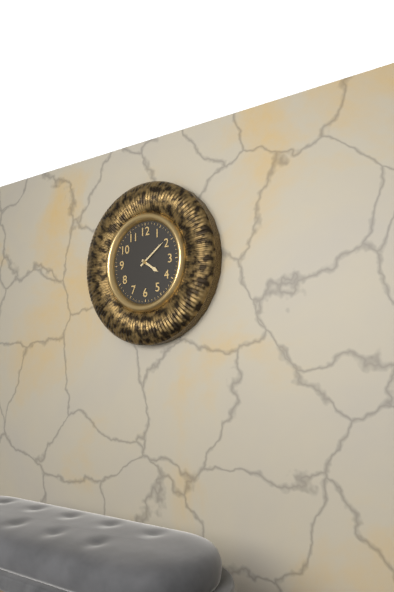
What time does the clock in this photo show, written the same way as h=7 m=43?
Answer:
h=4 m=9
